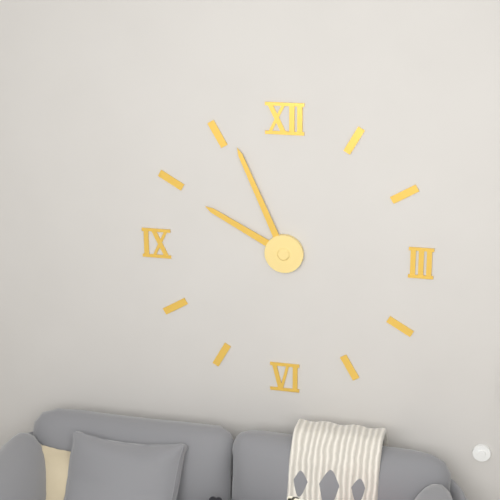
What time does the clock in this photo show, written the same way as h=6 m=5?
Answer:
h=9 m=56
